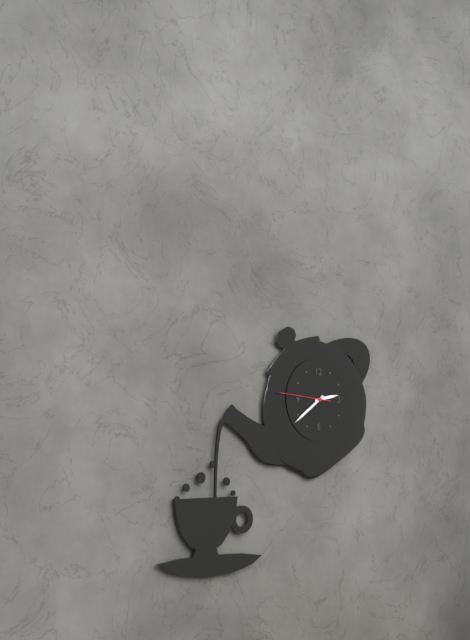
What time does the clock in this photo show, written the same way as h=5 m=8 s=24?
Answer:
h=2 m=39 s=46
